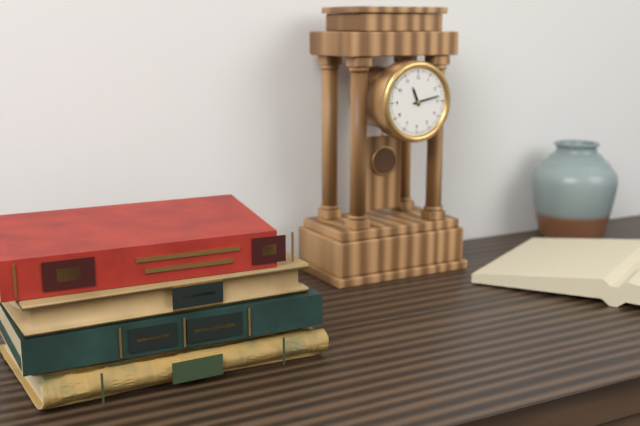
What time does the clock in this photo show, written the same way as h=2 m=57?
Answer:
h=11 m=13
